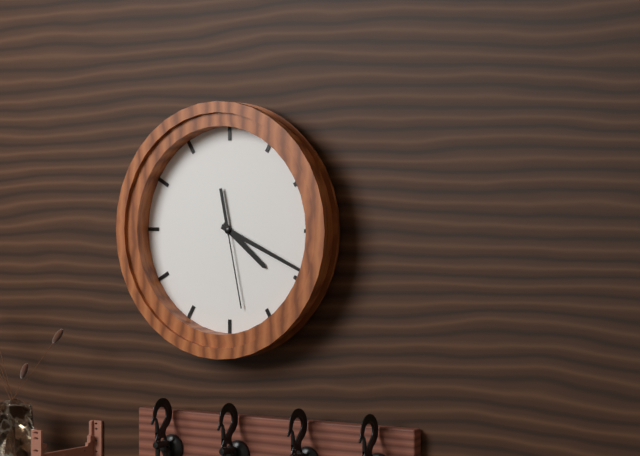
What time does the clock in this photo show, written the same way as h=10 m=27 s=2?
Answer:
h=4 m=19 s=28
